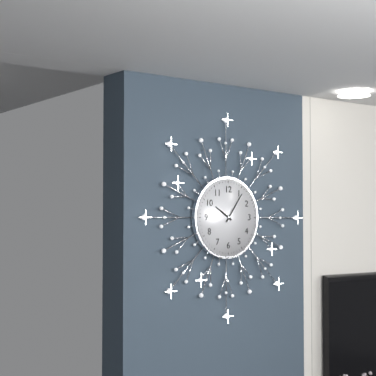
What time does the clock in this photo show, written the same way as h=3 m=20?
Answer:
h=10 m=6
